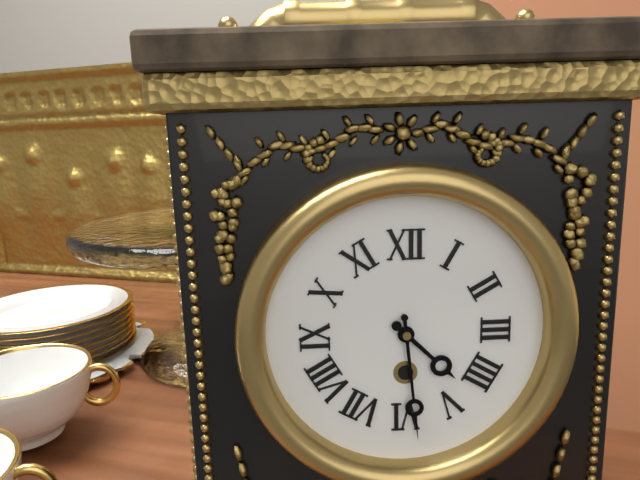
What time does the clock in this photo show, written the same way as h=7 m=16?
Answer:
h=4 m=29
